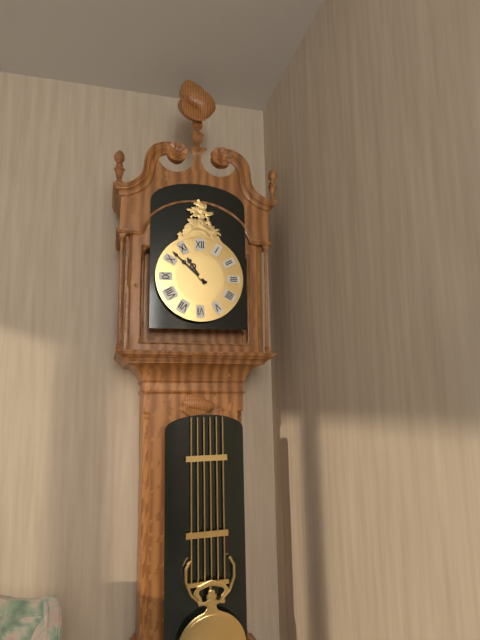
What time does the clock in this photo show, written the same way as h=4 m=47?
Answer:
h=10 m=52
